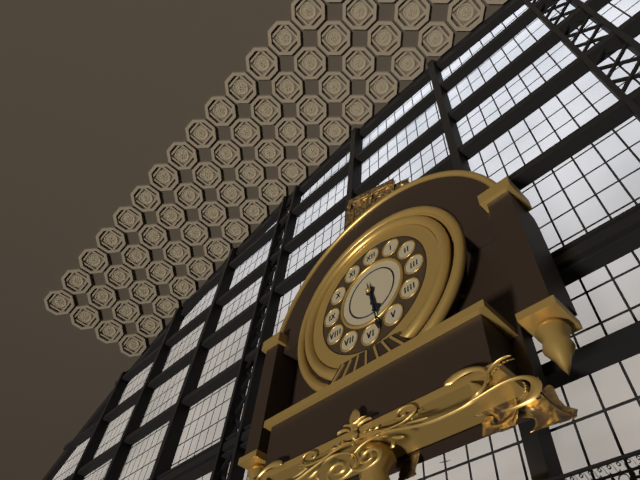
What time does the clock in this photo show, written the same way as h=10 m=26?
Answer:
h=5 m=28
